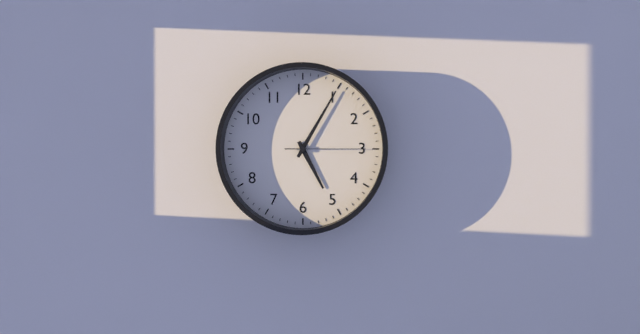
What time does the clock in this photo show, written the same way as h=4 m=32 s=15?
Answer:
h=5 m=5 s=15
